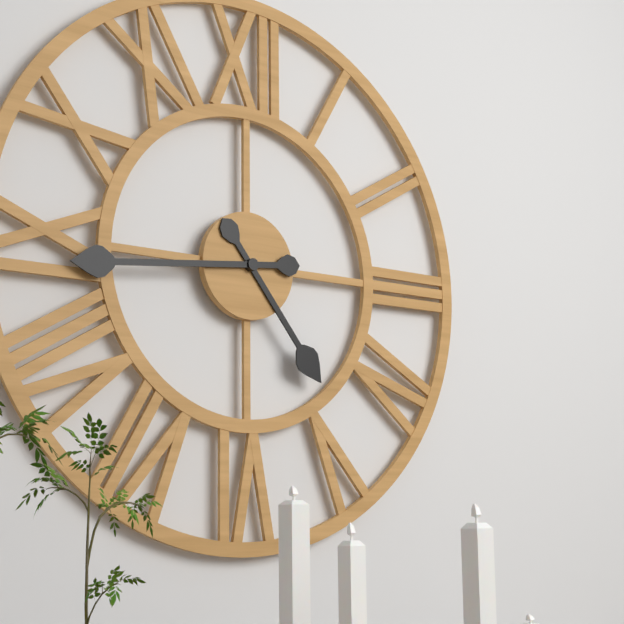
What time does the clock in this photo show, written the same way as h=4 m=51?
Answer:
h=4 m=44
